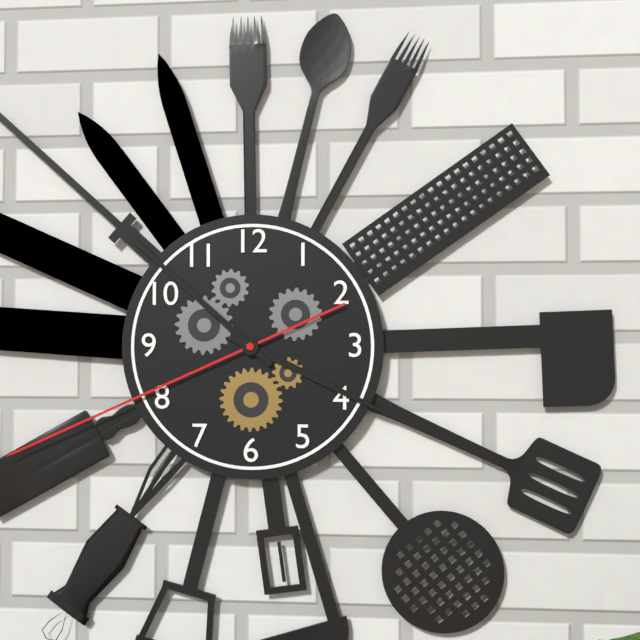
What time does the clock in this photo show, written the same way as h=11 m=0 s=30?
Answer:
h=3 m=52 s=41
